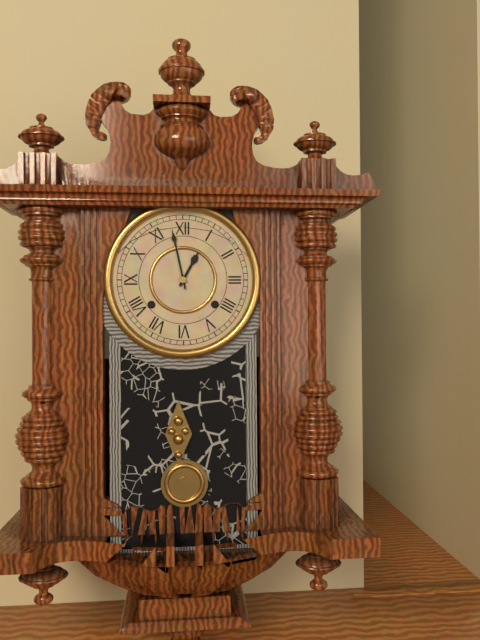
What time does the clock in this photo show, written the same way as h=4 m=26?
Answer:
h=12 m=58
